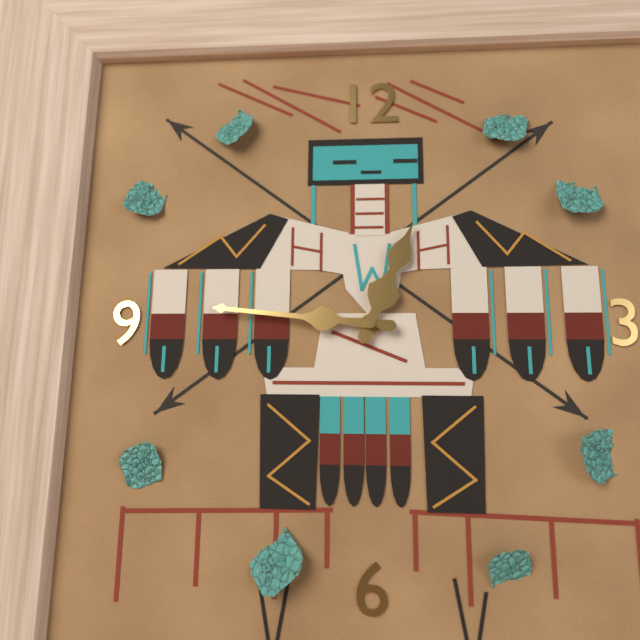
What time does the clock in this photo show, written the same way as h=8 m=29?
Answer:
h=12 m=46
